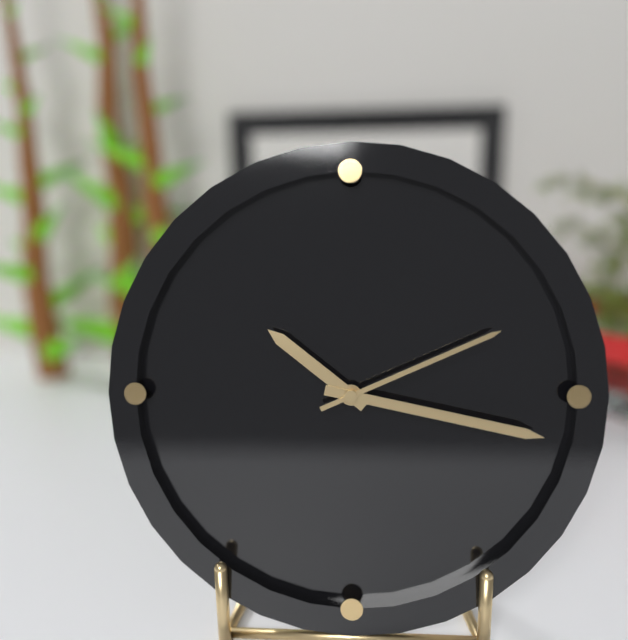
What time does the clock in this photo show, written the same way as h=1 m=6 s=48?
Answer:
h=10 m=17 s=11
